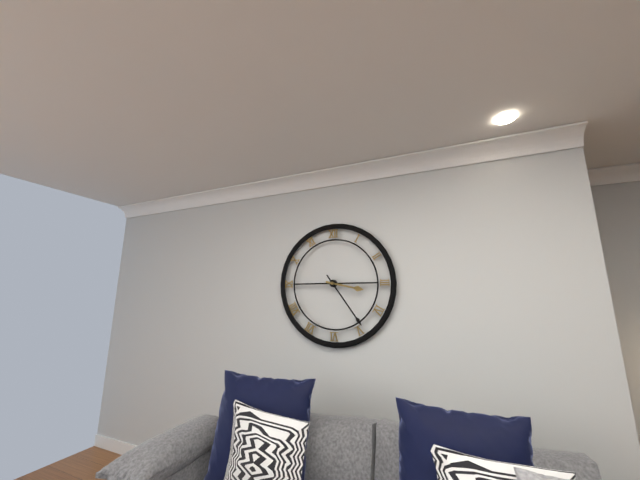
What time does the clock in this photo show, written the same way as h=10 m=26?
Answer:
h=3 m=24
